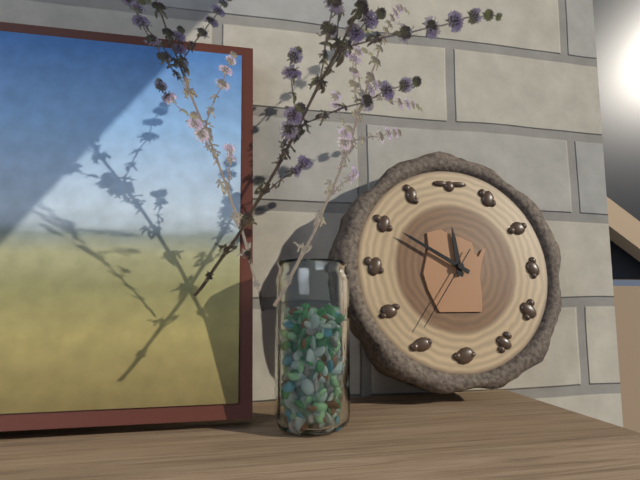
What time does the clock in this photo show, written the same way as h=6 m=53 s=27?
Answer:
h=11 m=50 s=36
